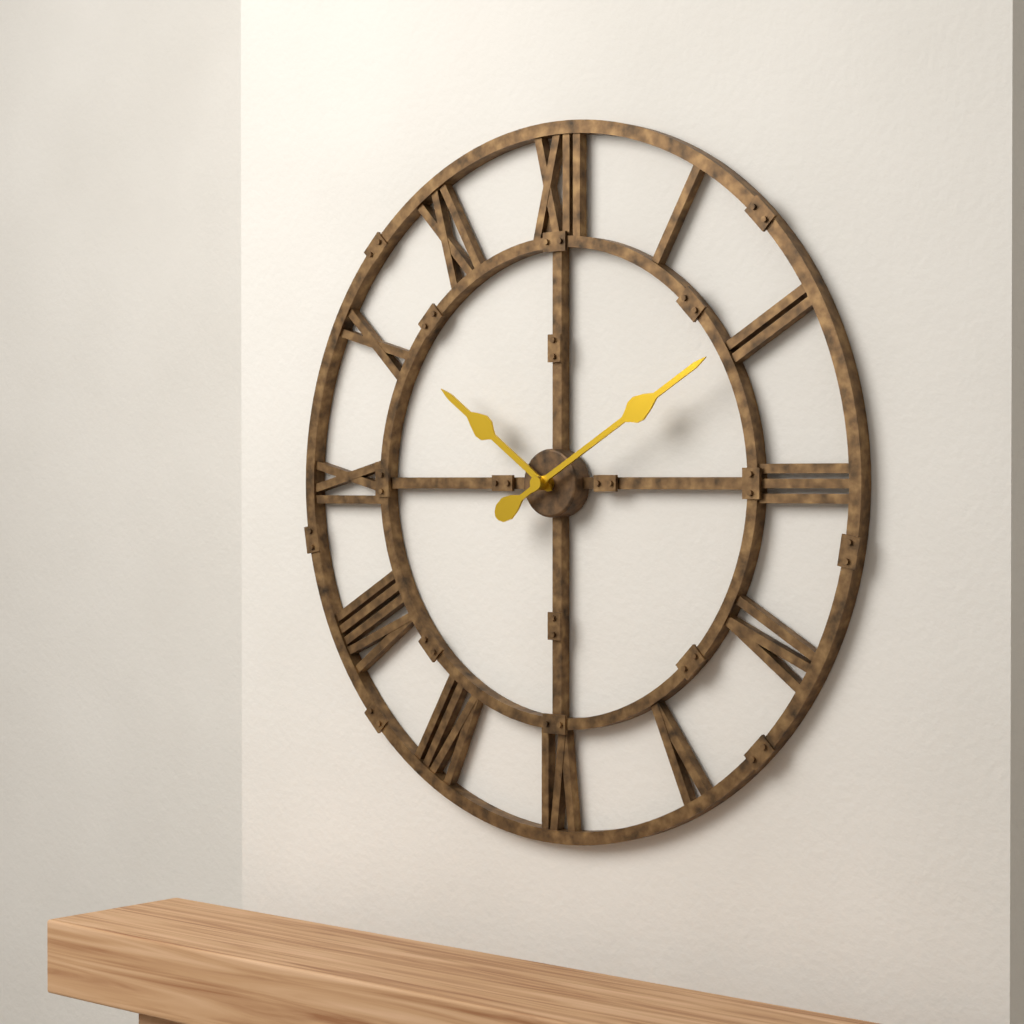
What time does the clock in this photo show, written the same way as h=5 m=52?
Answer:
h=10 m=10
